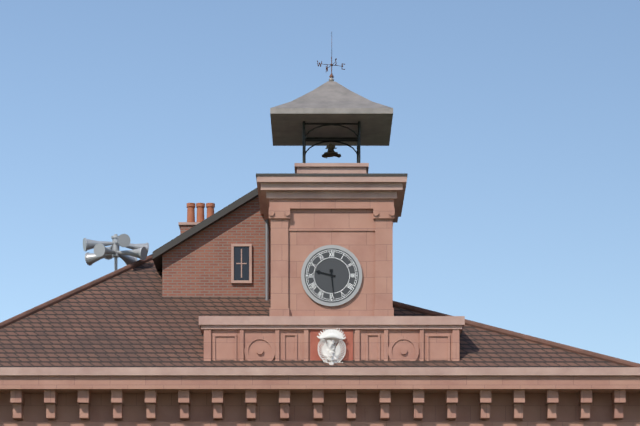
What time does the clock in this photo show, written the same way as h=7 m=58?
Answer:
h=9 m=29
